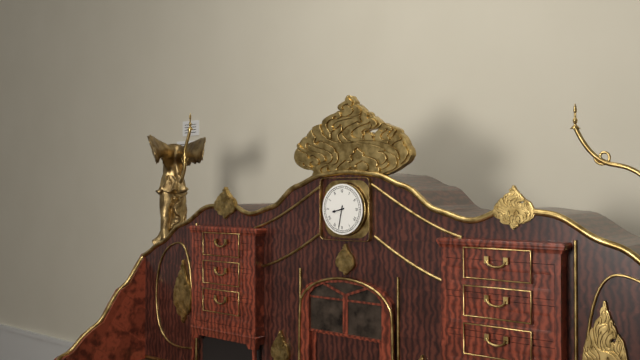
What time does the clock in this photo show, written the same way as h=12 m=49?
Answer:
h=8 m=32
